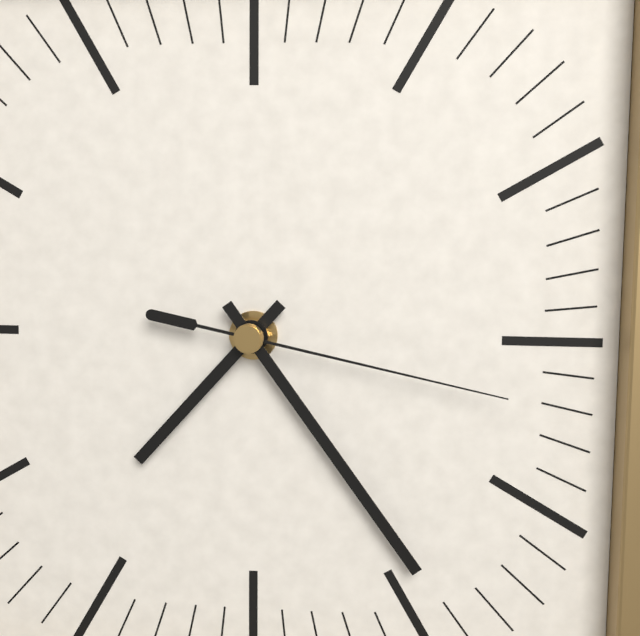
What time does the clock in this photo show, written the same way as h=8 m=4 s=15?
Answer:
h=7 m=24 s=17
